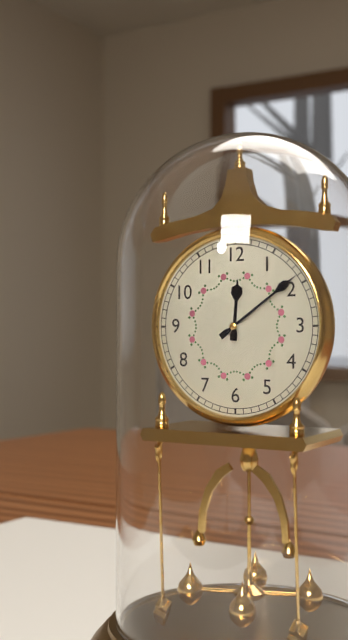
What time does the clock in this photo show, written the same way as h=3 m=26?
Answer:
h=12 m=9
